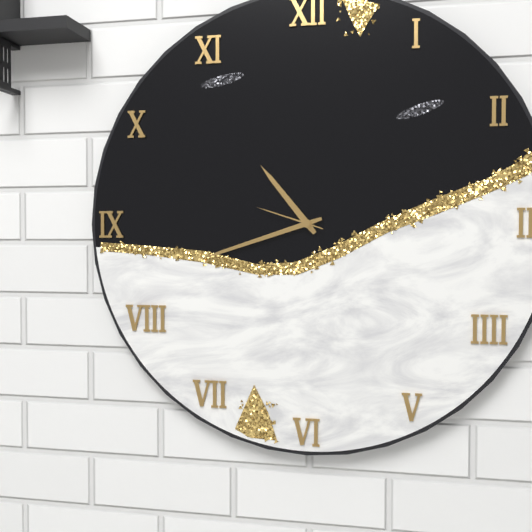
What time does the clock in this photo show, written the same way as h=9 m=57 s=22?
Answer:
h=10 m=42 s=48
